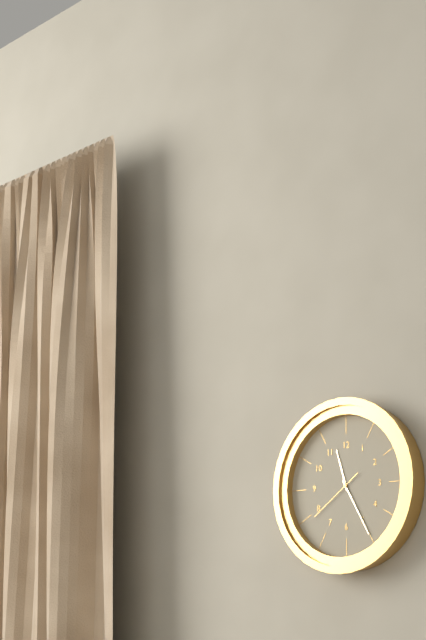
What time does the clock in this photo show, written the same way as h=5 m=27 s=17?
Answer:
h=11 m=25 s=39
